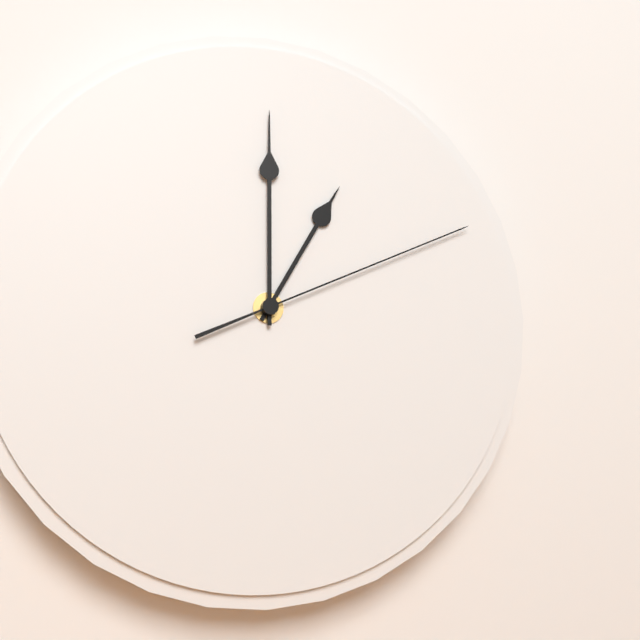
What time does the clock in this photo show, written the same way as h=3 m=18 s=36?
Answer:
h=1 m=0 s=11
